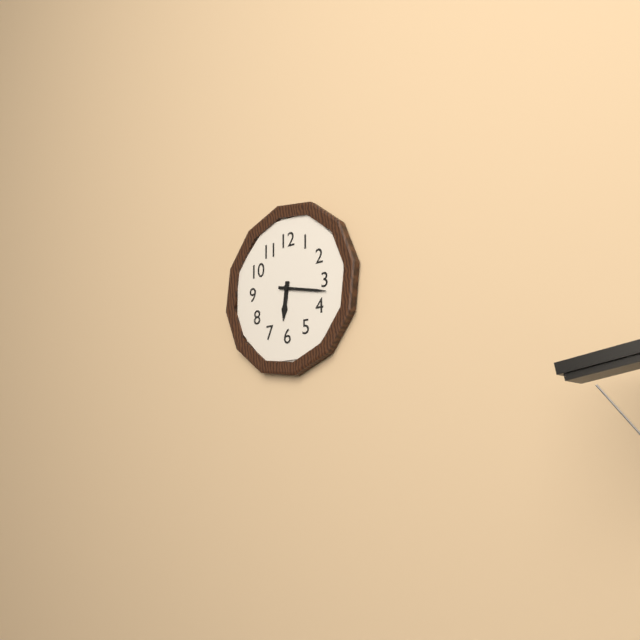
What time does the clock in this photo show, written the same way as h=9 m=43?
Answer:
h=6 m=17
